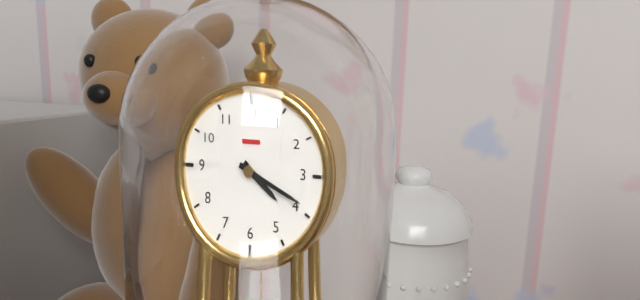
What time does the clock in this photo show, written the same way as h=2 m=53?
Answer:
h=4 m=19
